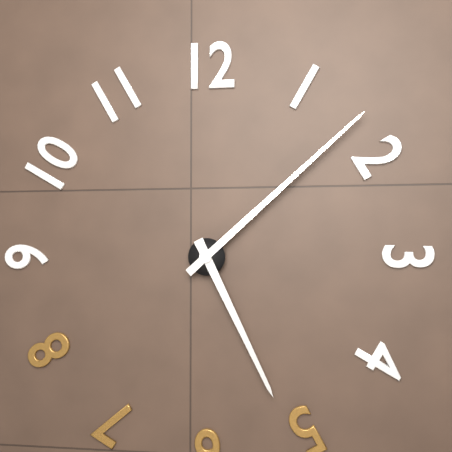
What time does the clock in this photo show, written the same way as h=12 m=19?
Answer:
h=5 m=8
